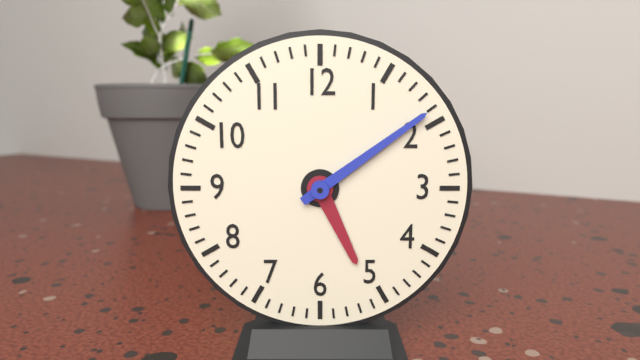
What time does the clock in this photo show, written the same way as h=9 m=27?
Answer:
h=5 m=9
